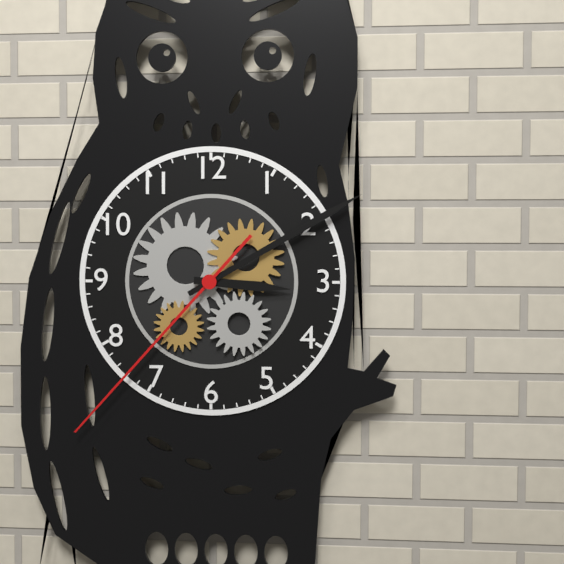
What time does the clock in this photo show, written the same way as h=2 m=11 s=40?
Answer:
h=3 m=10 s=37
